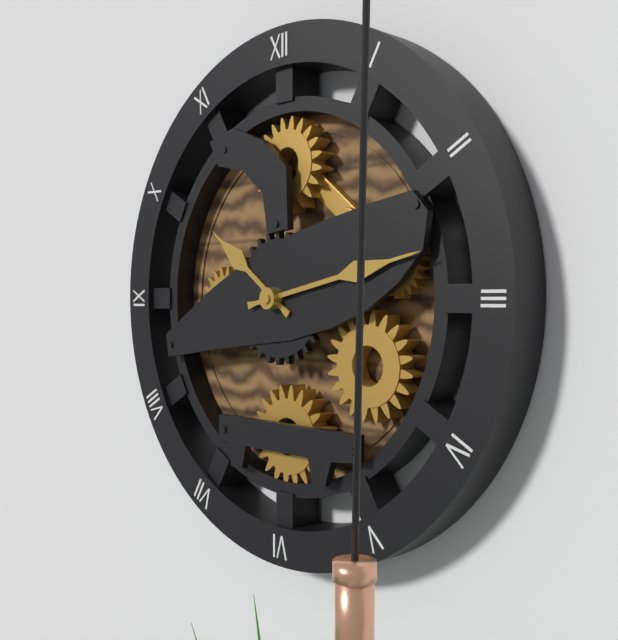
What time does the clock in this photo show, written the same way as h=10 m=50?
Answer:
h=10 m=13
